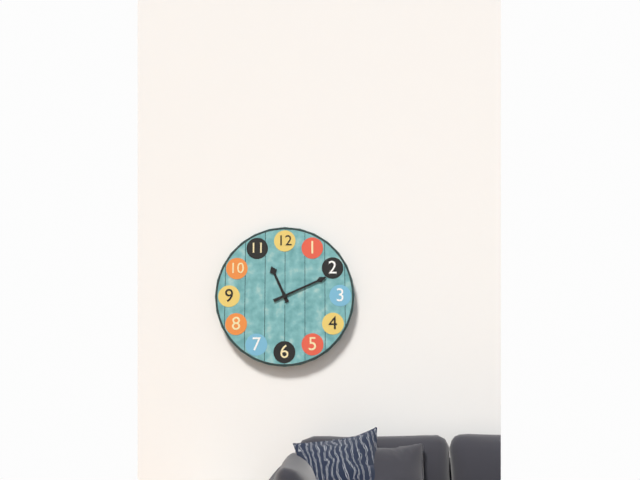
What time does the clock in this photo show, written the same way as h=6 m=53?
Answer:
h=11 m=11
